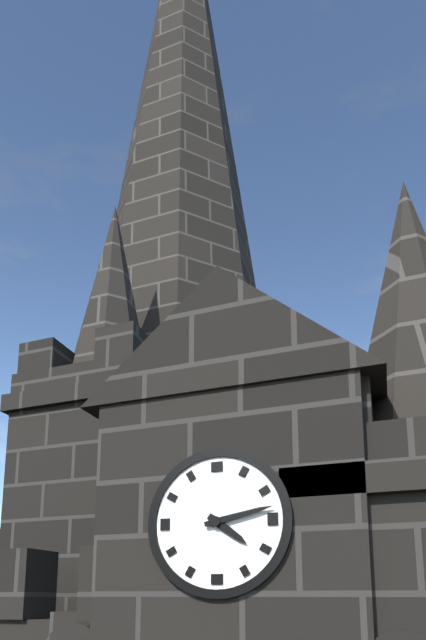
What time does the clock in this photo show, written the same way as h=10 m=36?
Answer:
h=4 m=13
